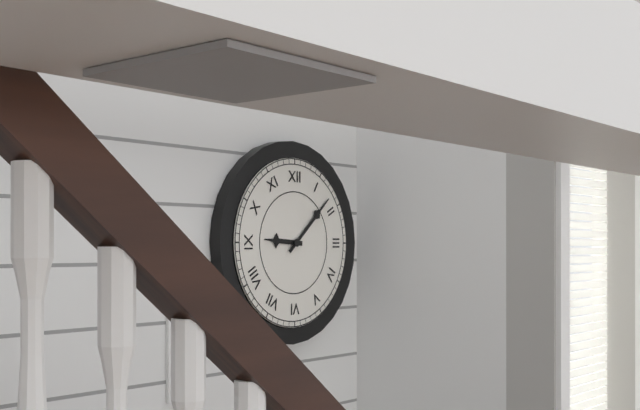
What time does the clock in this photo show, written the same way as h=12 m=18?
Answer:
h=9 m=8
